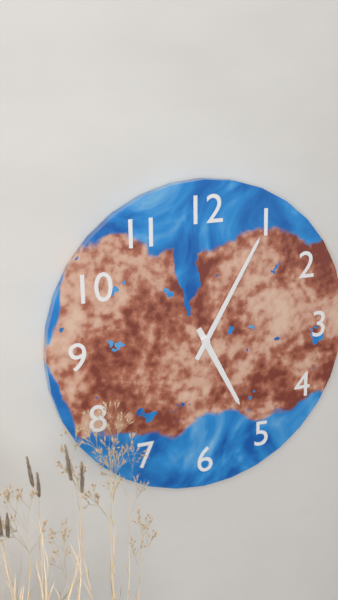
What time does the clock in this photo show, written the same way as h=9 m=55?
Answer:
h=5 m=5
